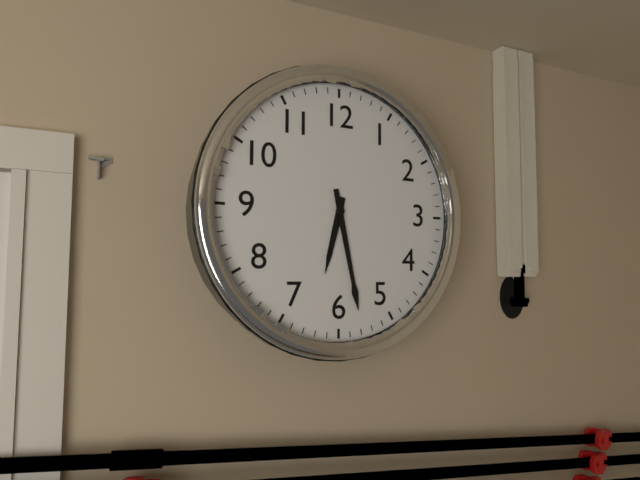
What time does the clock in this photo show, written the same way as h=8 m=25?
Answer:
h=6 m=28
